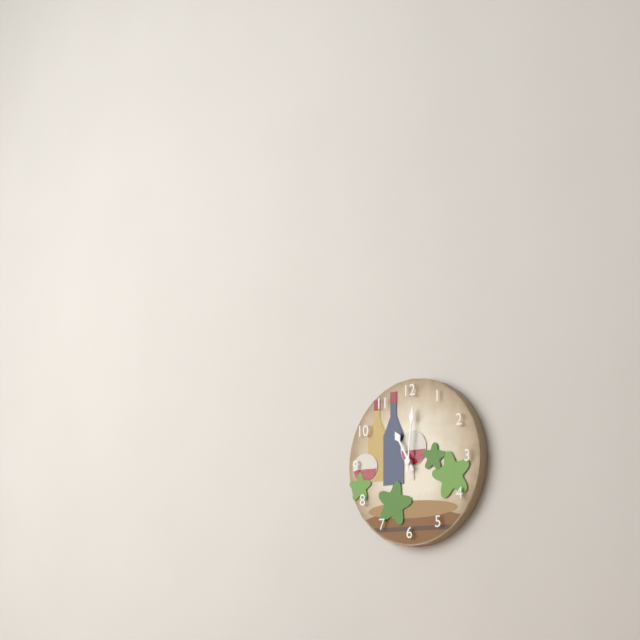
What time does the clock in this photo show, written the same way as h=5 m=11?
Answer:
h=11 m=1
